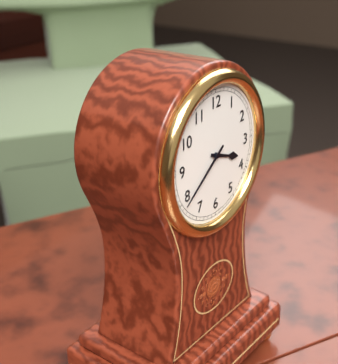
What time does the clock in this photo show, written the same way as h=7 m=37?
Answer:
h=3 m=39
